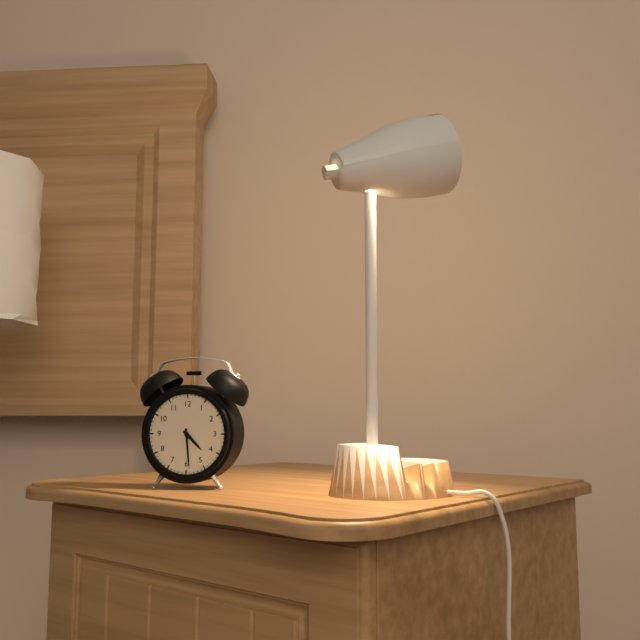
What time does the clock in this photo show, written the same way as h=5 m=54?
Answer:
h=4 m=29
